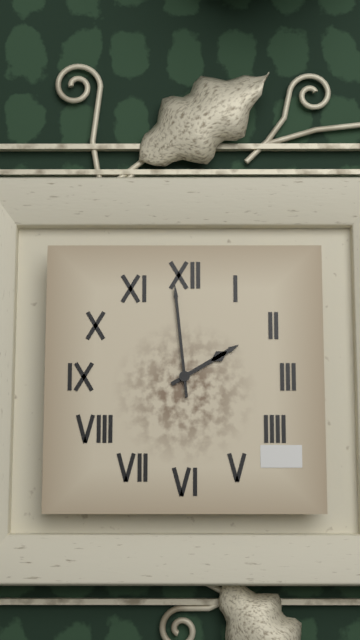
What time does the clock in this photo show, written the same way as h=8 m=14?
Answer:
h=1 m=59
